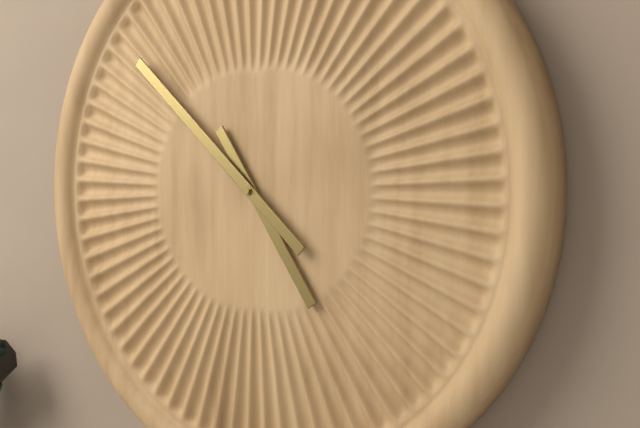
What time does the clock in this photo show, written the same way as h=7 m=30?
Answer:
h=4 m=52
